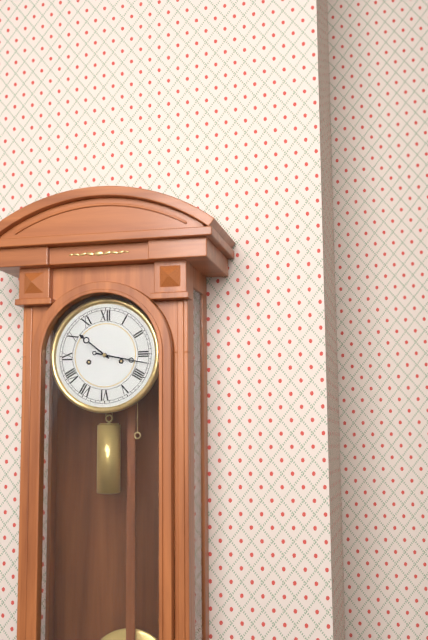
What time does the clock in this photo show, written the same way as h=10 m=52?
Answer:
h=10 m=17
